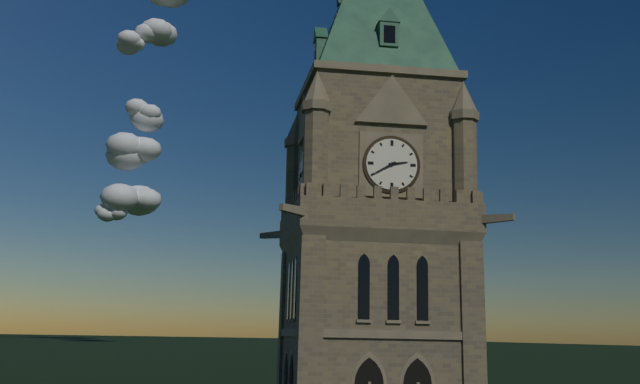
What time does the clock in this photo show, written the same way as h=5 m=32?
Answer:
h=2 m=40
